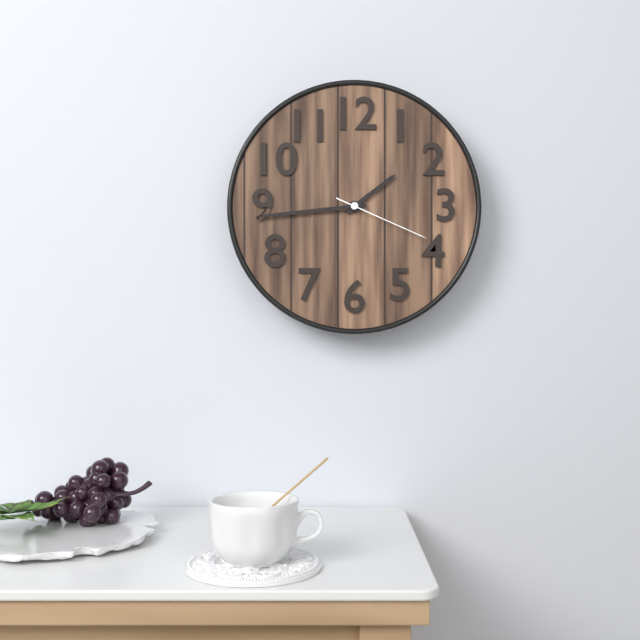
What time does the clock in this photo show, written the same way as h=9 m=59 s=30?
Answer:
h=1 m=44 s=19
